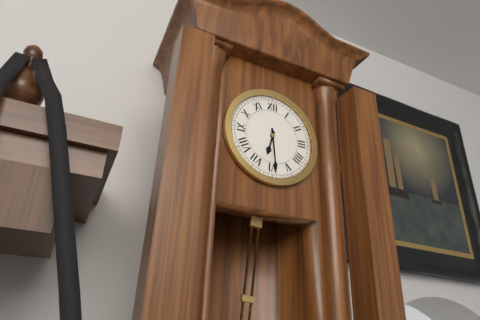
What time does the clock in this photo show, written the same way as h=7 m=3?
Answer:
h=6 m=29
